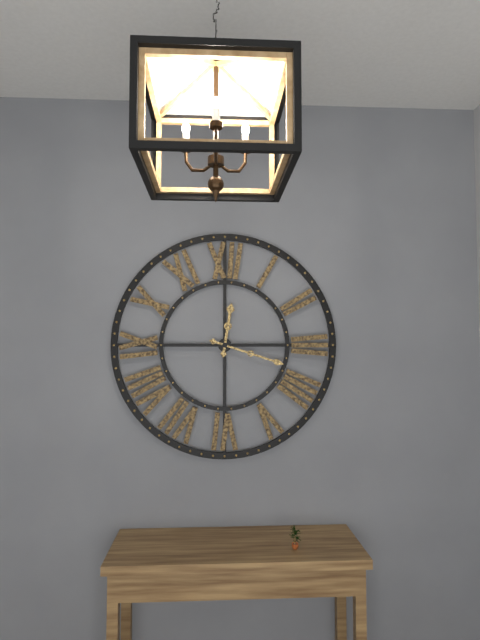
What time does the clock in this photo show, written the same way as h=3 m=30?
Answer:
h=12 m=18
